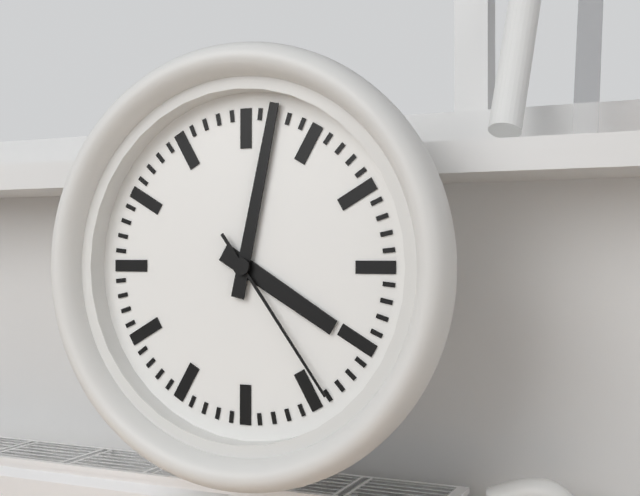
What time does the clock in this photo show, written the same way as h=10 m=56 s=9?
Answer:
h=4 m=2 s=24
